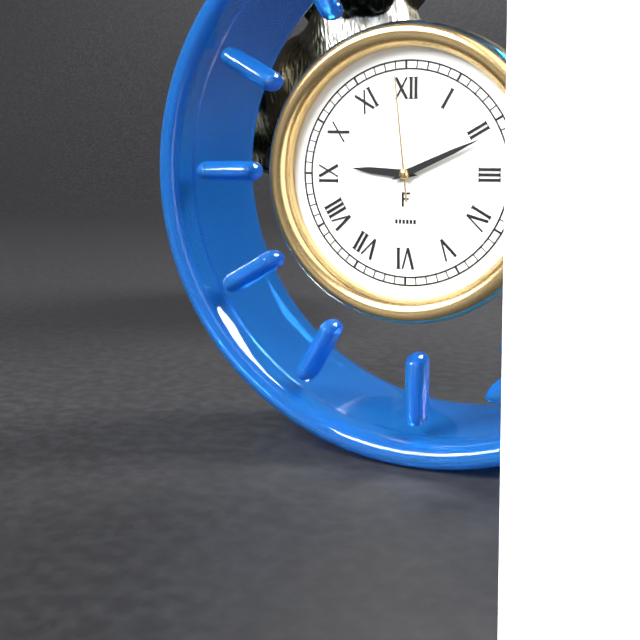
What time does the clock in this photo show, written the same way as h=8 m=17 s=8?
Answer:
h=9 m=11 s=59
